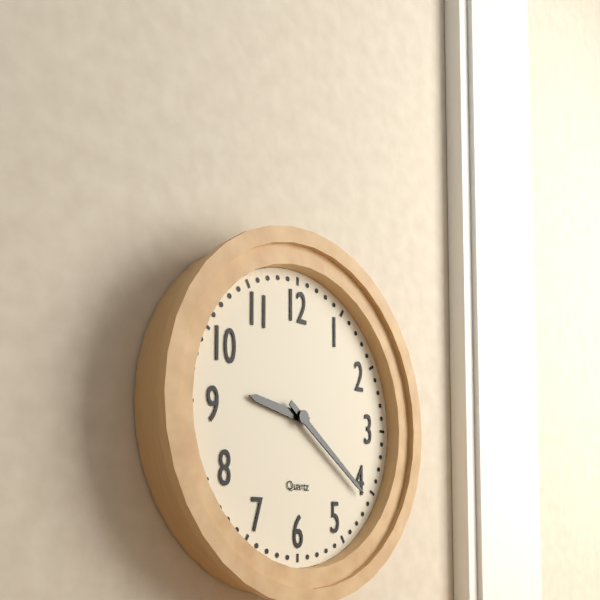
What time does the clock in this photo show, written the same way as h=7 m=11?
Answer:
h=9 m=21
